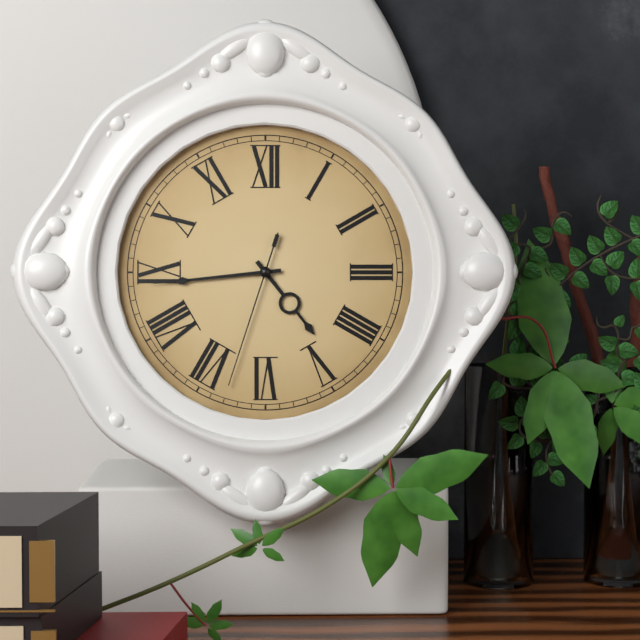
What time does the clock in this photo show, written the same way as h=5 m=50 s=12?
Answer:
h=4 m=44 s=33
